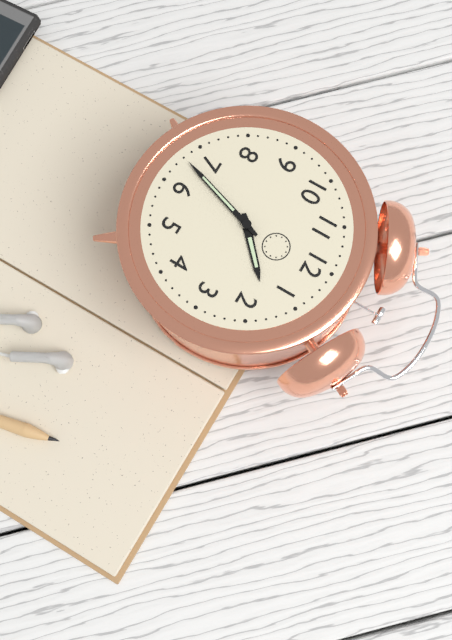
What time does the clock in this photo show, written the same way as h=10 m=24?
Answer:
h=1 m=33
